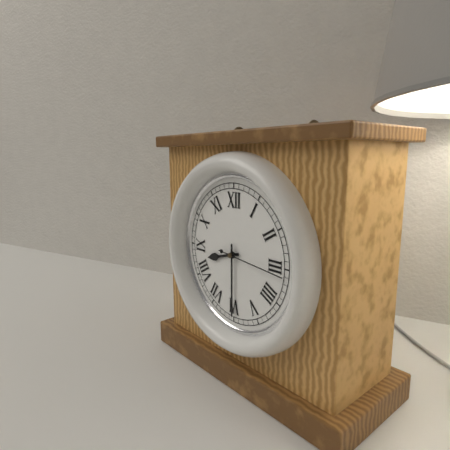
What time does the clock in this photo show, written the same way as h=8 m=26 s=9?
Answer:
h=8 m=30 s=16
